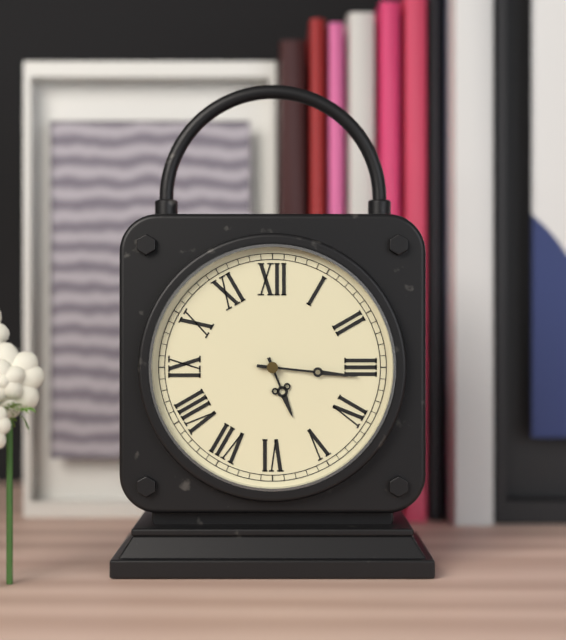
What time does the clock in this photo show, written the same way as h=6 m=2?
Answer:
h=5 m=16
